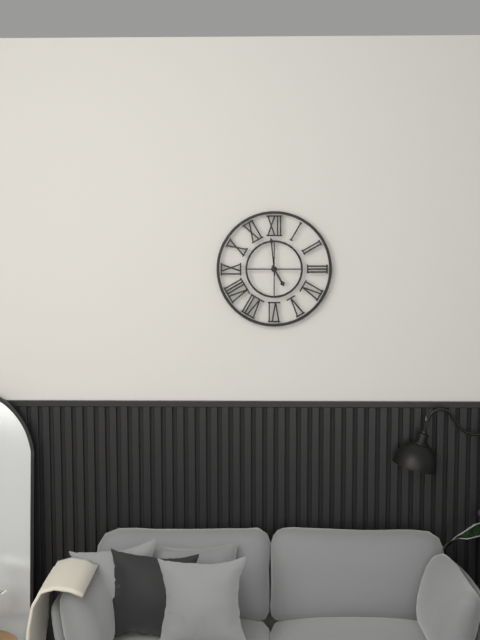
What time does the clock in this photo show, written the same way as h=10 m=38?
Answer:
h=4 m=59
